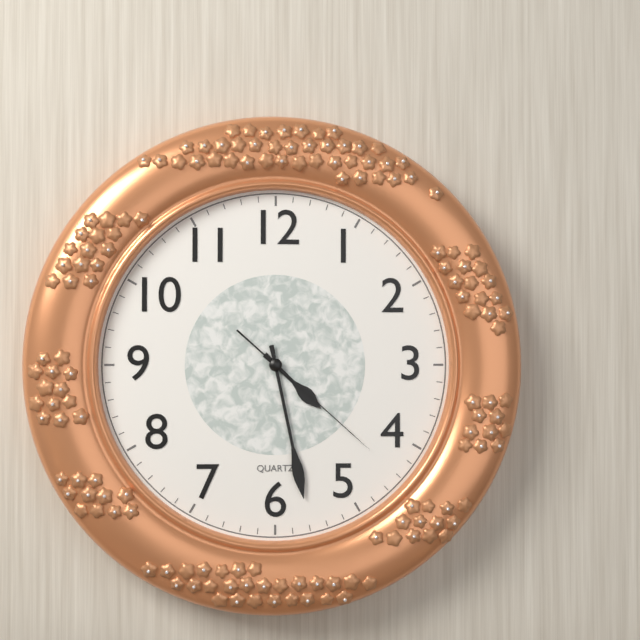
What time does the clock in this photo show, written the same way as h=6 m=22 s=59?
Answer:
h=4 m=28 s=22
